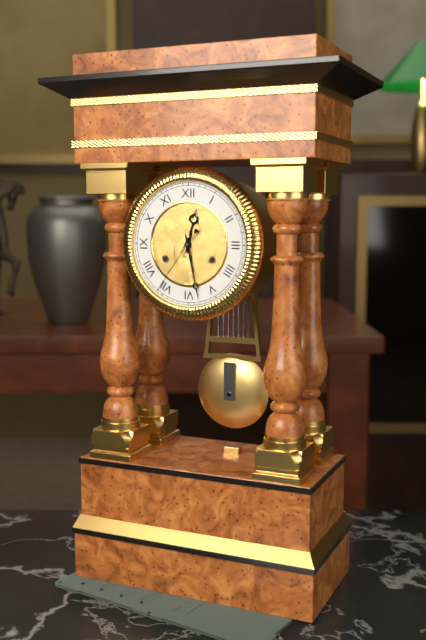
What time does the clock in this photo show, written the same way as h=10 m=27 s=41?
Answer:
h=12 m=28 s=36
